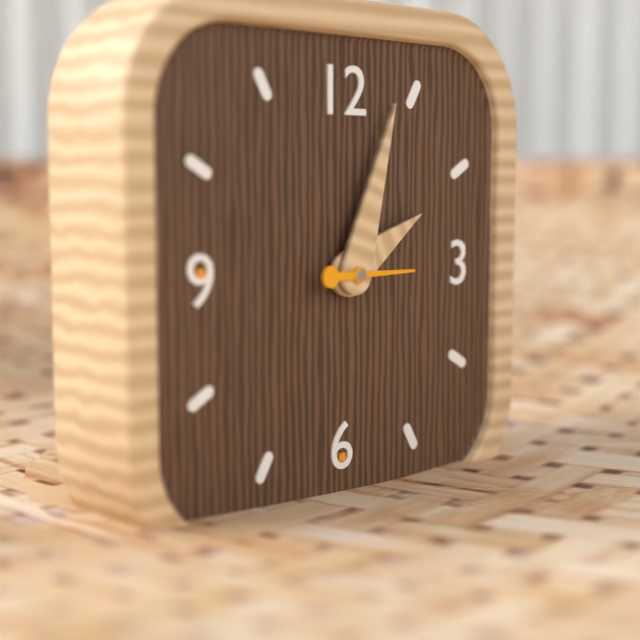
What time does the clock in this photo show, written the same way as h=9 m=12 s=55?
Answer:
h=2 m=3 s=15
